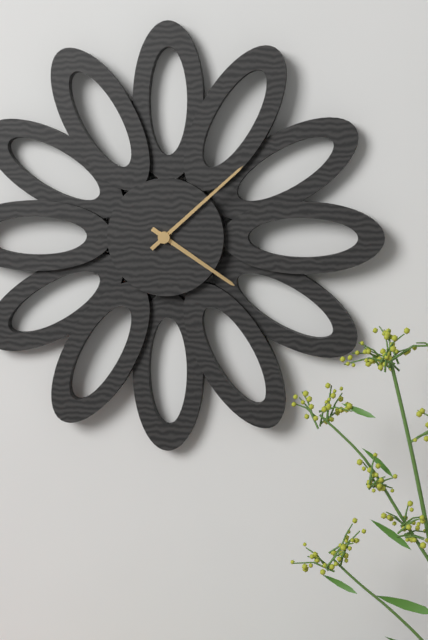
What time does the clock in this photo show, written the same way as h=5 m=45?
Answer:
h=4 m=8
